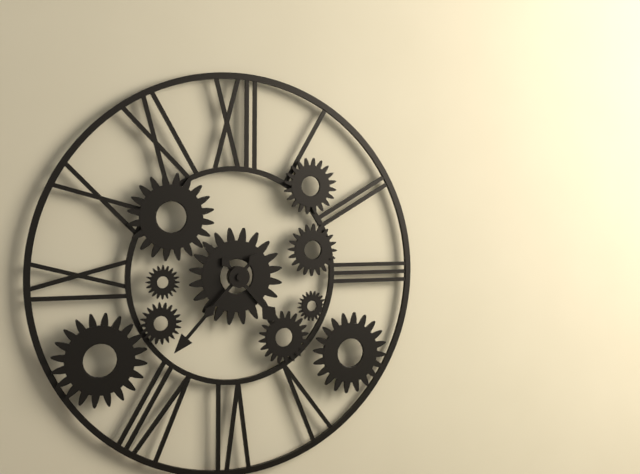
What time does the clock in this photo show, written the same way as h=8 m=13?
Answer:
h=4 m=37
